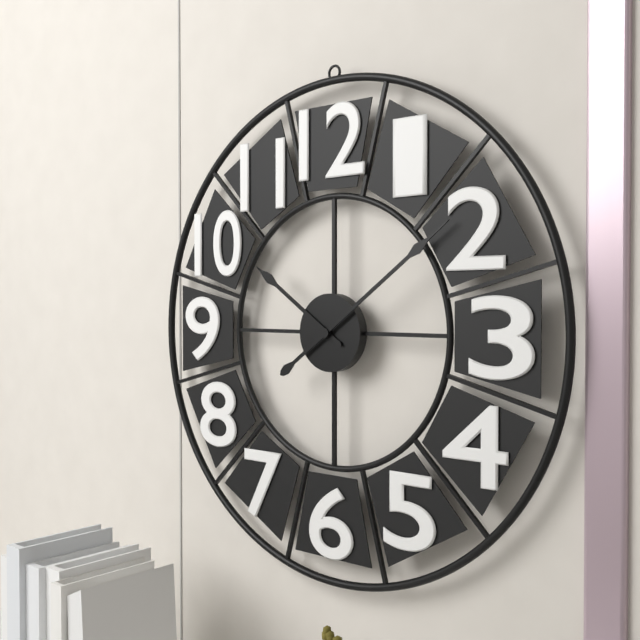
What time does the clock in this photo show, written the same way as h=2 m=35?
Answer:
h=10 m=9
